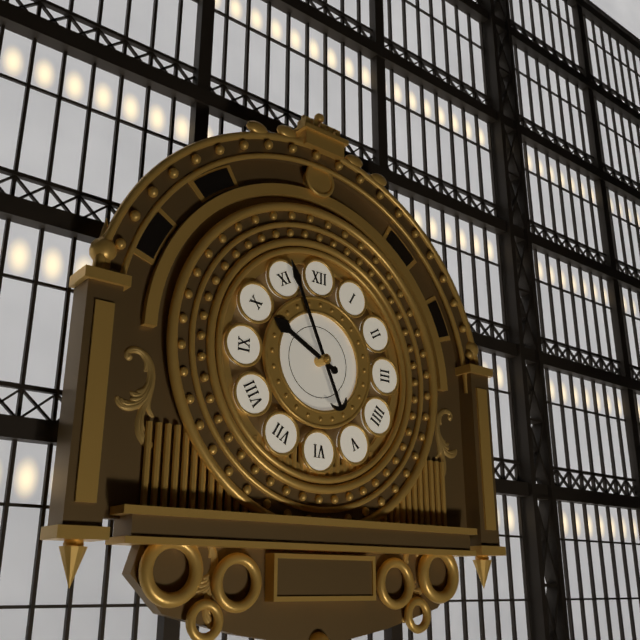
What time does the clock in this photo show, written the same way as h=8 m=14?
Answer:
h=9 m=56
